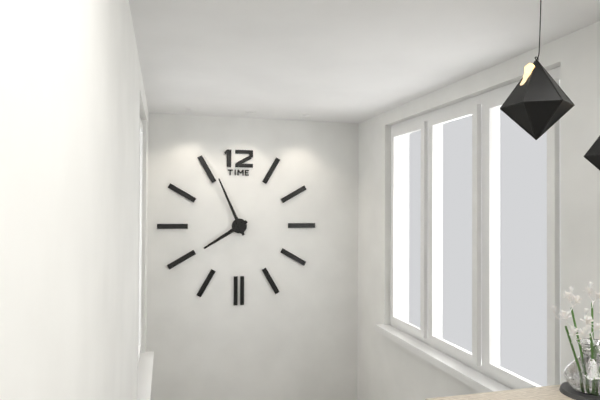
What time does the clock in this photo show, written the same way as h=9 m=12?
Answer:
h=7 m=56
